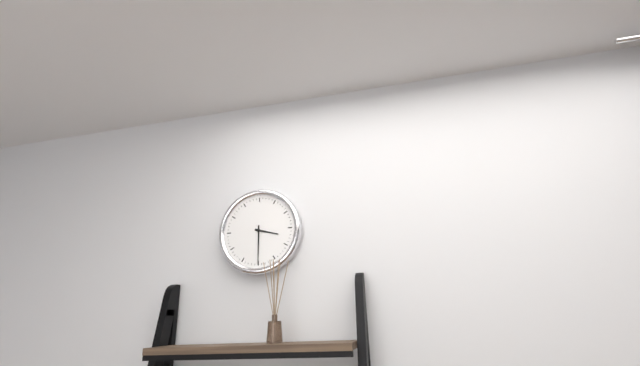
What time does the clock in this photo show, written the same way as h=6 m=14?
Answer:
h=3 m=30
